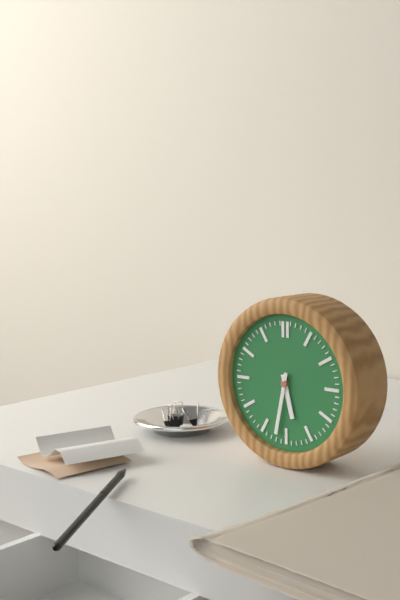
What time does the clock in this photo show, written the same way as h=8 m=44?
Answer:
h=5 m=32
